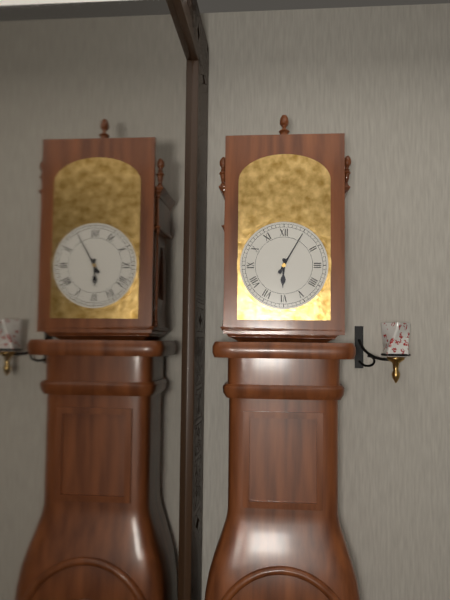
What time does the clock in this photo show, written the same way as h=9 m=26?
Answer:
h=6 m=5
